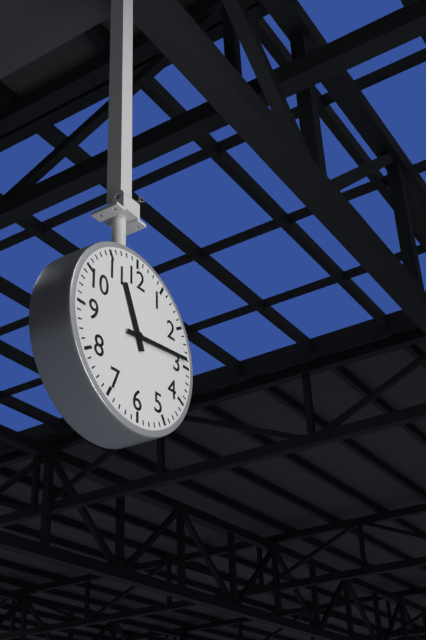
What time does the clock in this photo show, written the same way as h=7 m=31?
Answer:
h=11 m=14
